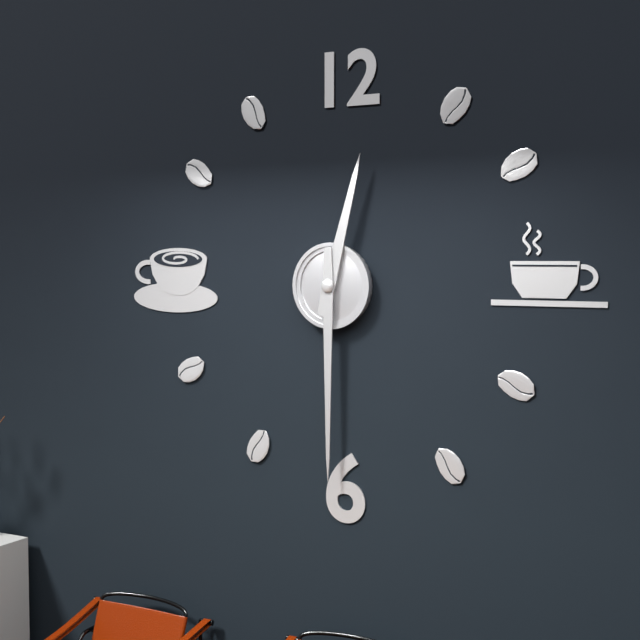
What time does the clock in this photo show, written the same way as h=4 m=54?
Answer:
h=12 m=30
